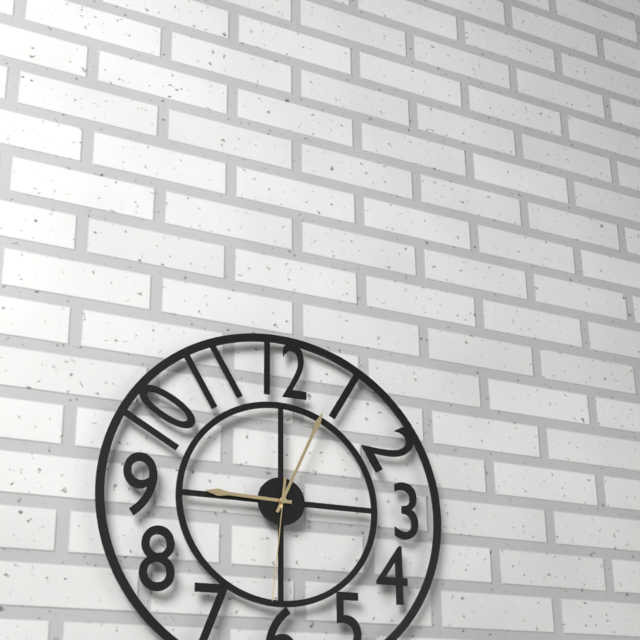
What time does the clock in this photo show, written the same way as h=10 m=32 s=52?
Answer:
h=9 m=4 s=31
